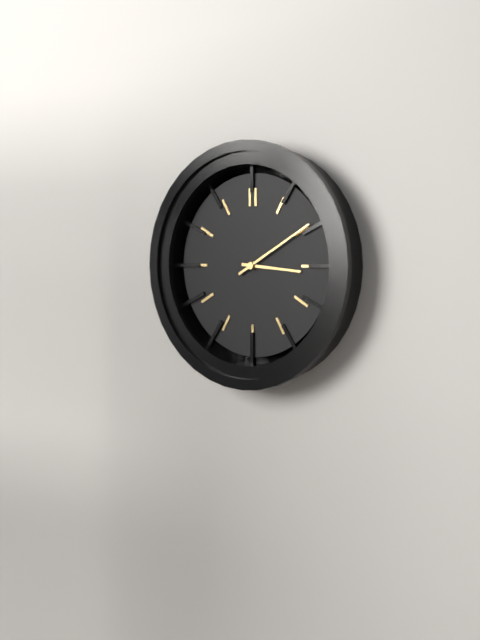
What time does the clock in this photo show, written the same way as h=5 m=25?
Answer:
h=3 m=10
